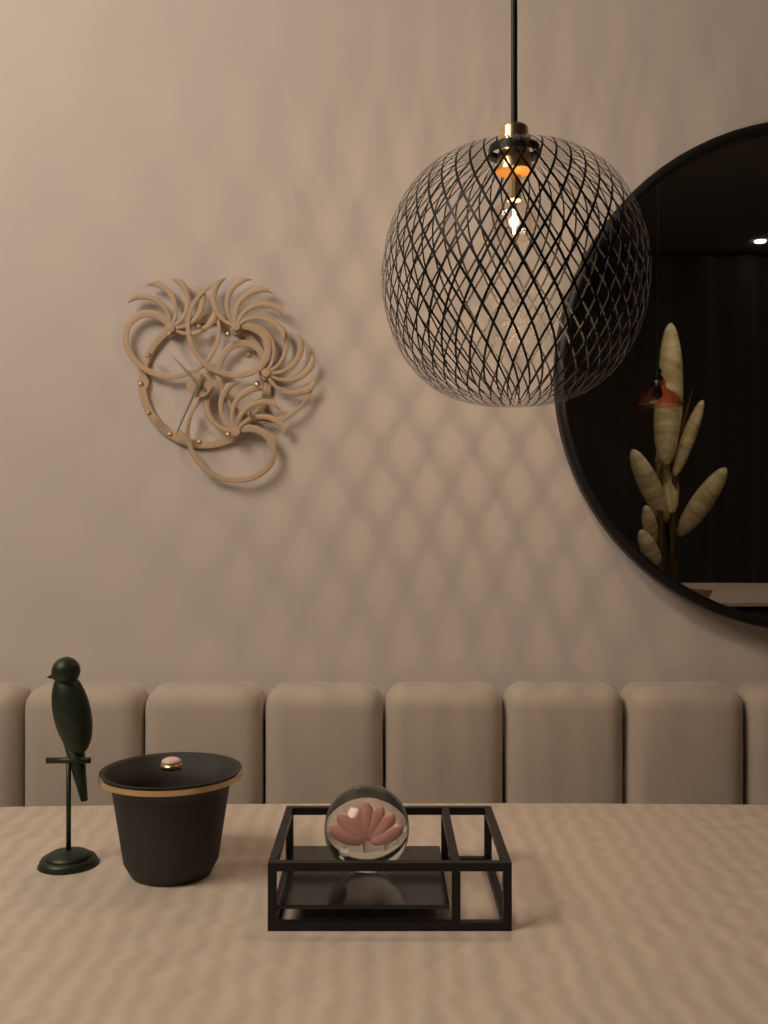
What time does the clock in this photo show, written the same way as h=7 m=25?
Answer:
h=10 m=34
